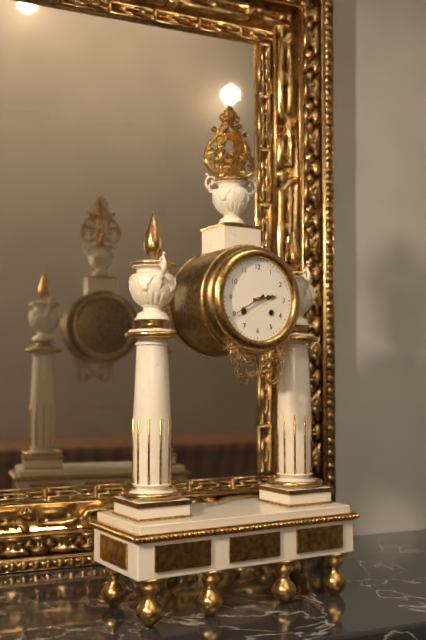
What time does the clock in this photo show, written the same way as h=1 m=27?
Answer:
h=2 m=40
